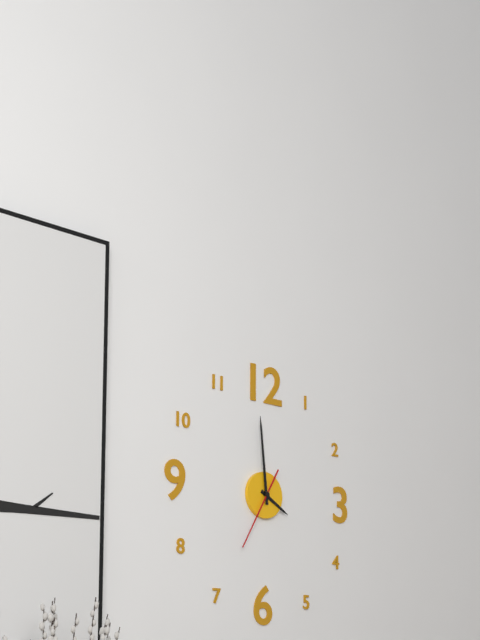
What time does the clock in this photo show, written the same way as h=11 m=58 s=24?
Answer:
h=3 m=59 s=35
